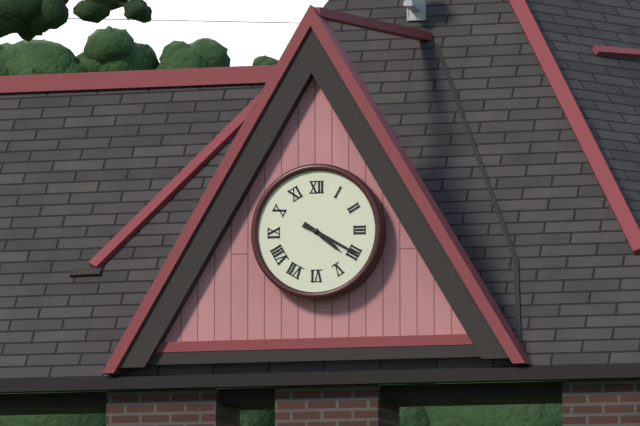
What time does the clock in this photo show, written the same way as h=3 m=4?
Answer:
h=4 m=20
